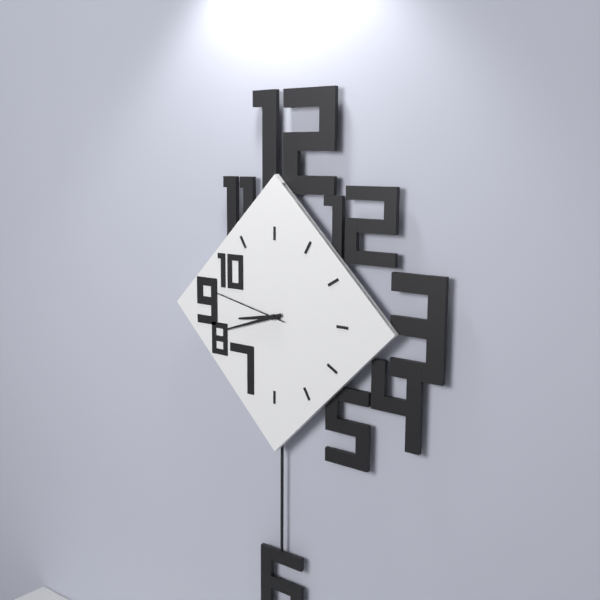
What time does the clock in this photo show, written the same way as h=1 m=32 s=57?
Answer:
h=8 m=42 s=47
